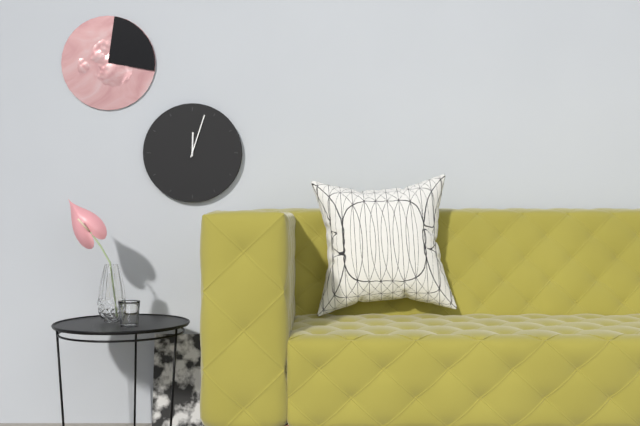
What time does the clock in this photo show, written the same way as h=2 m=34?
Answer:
h=12 m=3
